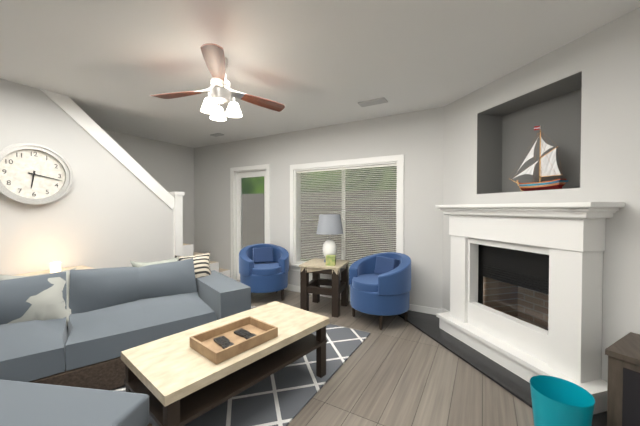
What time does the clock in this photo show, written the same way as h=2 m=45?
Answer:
h=6 m=17
